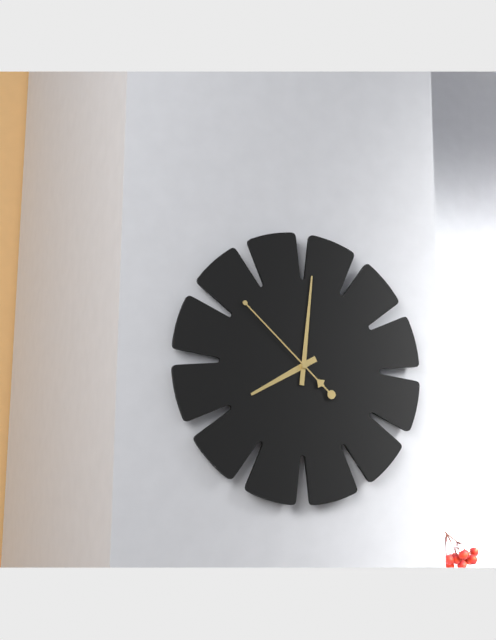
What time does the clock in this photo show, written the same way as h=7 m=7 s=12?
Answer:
h=8 m=1 s=52
